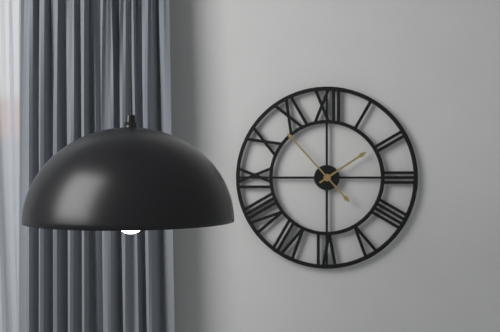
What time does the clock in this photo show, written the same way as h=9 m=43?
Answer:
h=1 m=53
